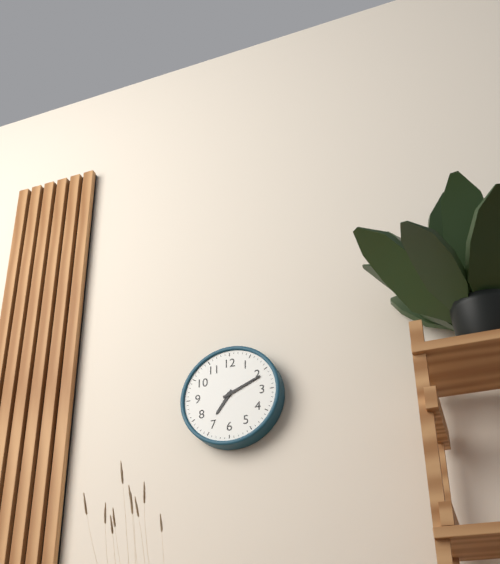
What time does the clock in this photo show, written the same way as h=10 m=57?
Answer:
h=7 m=11
